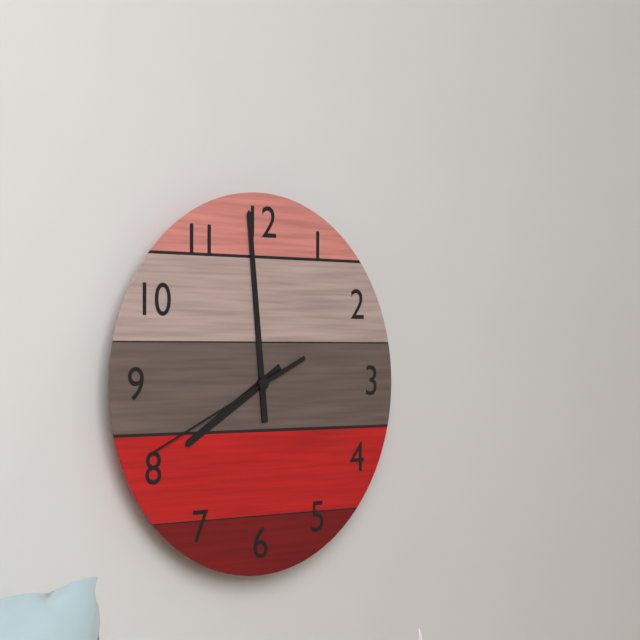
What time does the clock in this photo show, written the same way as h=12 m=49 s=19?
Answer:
h=7 m=59 s=41
